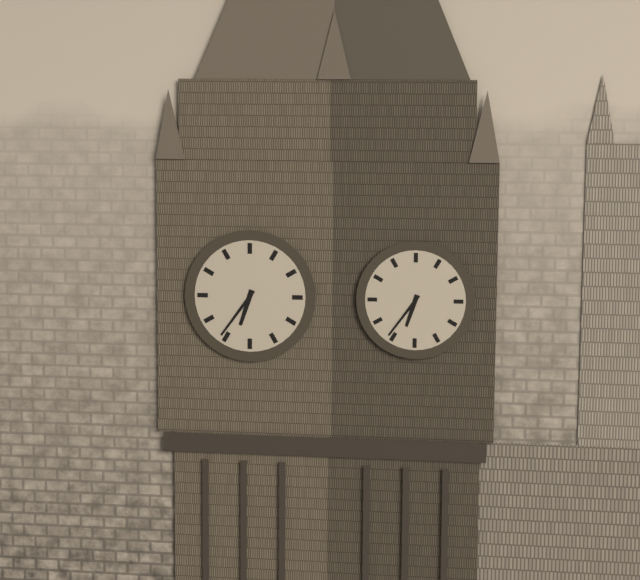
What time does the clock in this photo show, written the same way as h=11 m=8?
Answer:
h=6 m=36
